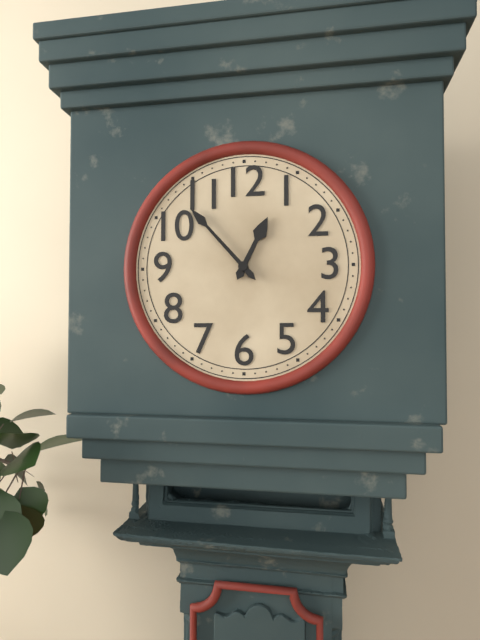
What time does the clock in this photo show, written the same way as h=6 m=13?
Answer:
h=12 m=53
